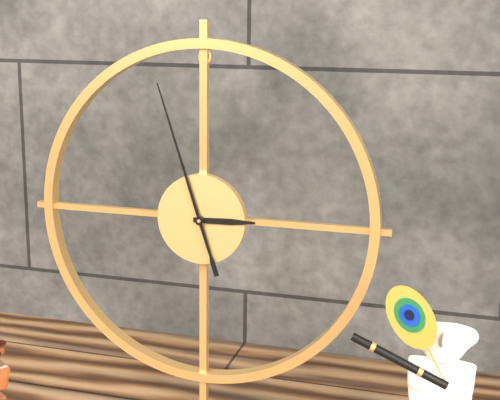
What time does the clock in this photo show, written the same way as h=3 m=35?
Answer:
h=2 m=57
